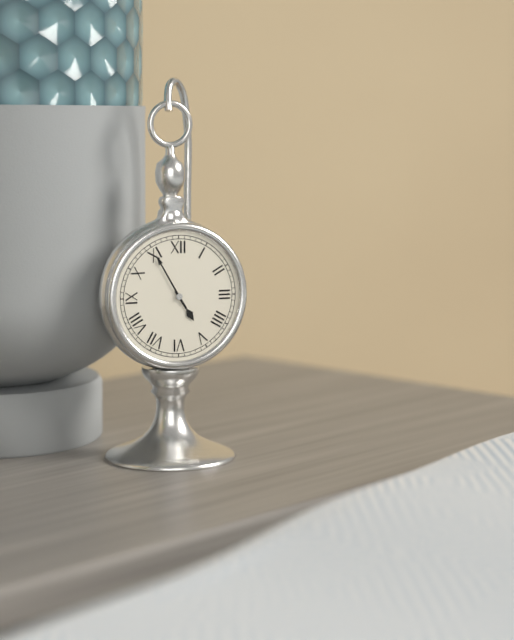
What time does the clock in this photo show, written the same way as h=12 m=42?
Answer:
h=4 m=55
